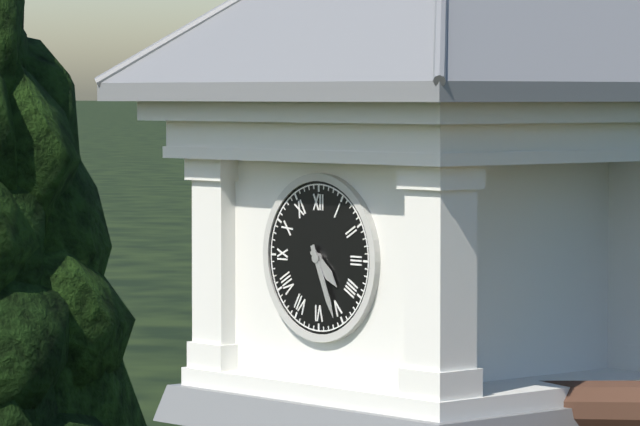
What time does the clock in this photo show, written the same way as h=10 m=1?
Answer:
h=4 m=26
